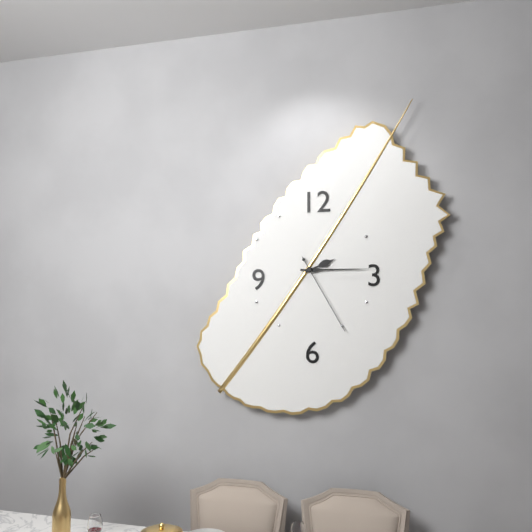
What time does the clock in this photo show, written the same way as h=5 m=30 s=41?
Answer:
h=2 m=15 s=25
